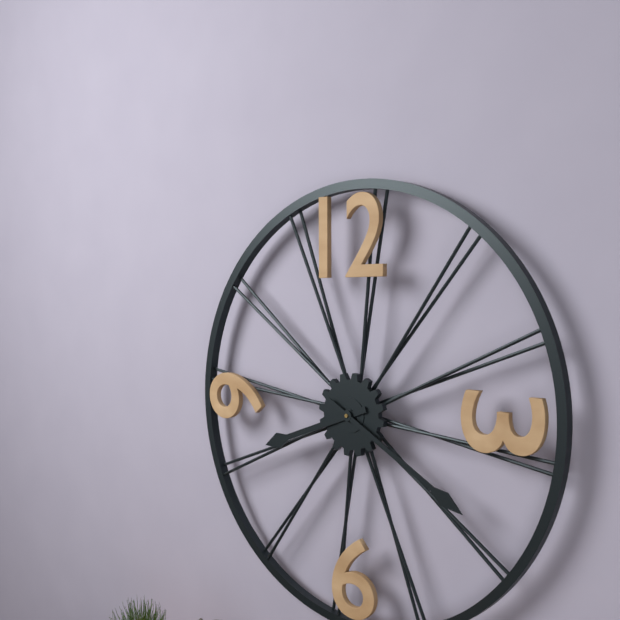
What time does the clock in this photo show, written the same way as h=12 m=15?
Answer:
h=8 m=20
